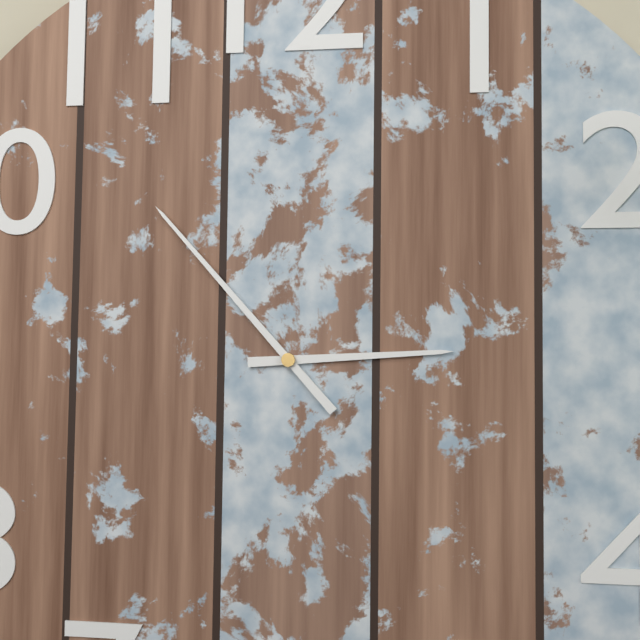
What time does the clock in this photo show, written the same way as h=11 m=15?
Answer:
h=2 m=53
